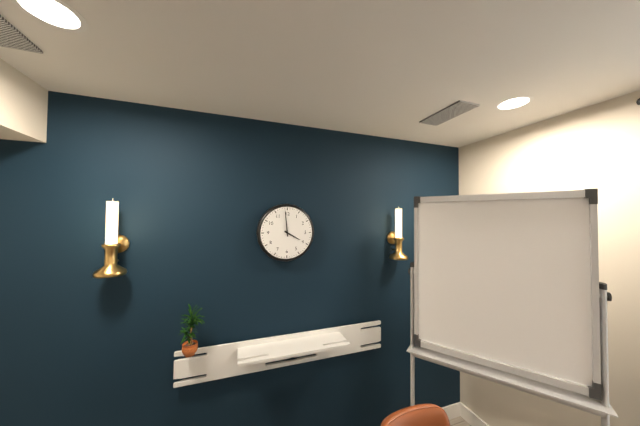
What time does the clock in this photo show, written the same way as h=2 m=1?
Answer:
h=3 m=59
